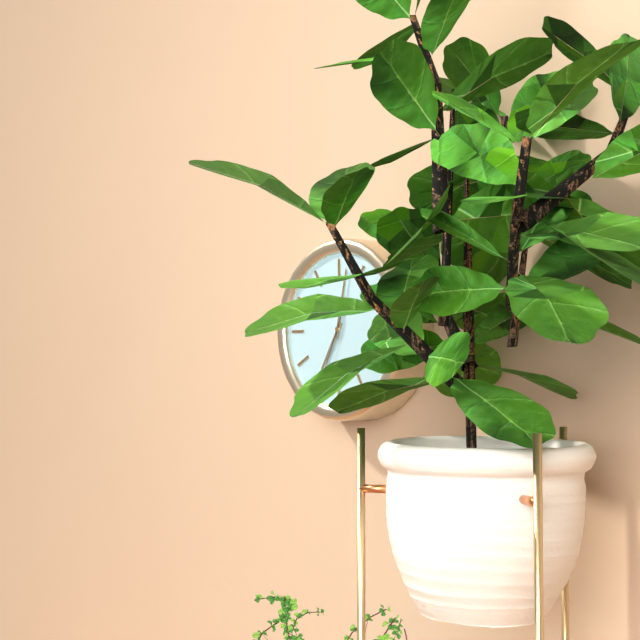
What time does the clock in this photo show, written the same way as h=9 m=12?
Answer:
h=7 m=2
